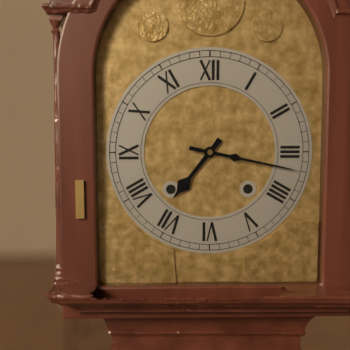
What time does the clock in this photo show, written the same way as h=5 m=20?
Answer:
h=7 m=17
